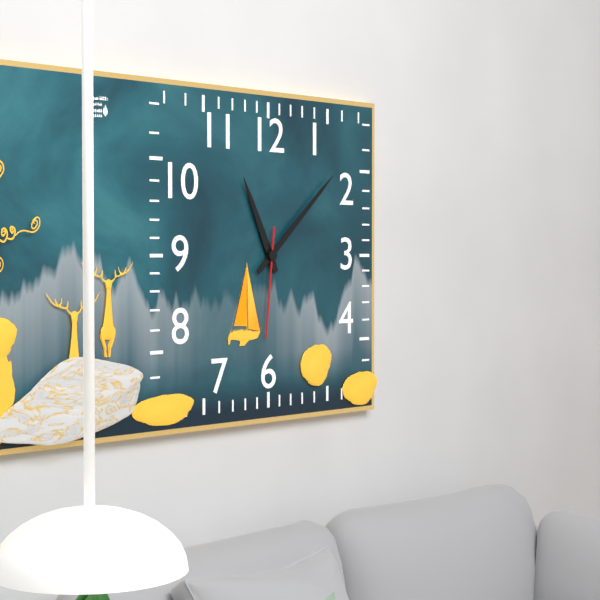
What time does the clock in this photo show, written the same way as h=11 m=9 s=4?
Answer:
h=11 m=8 s=31
